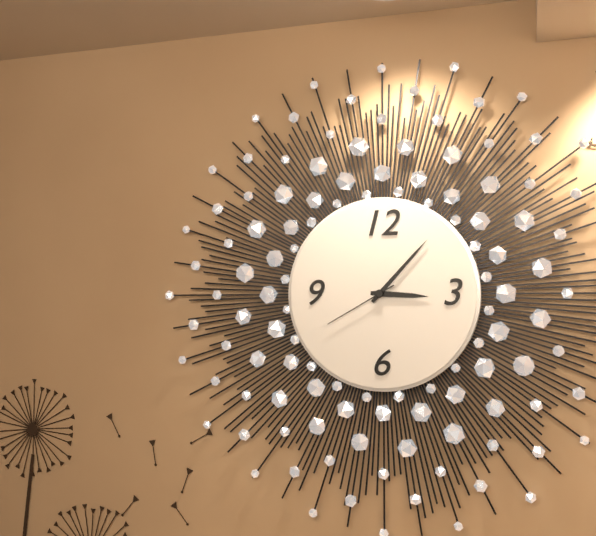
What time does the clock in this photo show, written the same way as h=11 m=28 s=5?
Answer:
h=3 m=7 s=40
